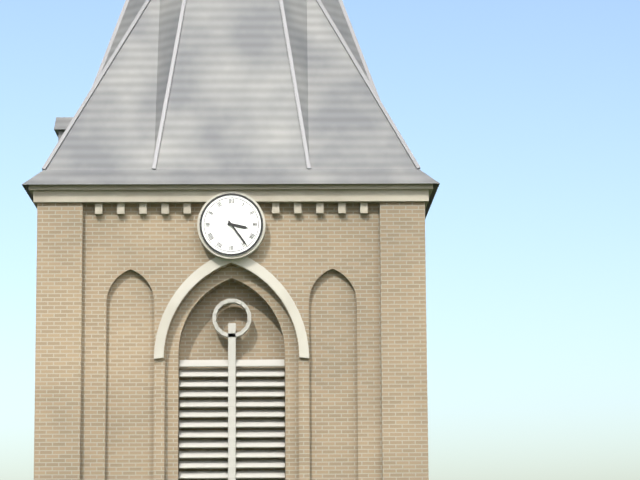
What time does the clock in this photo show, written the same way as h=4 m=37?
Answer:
h=3 m=24
